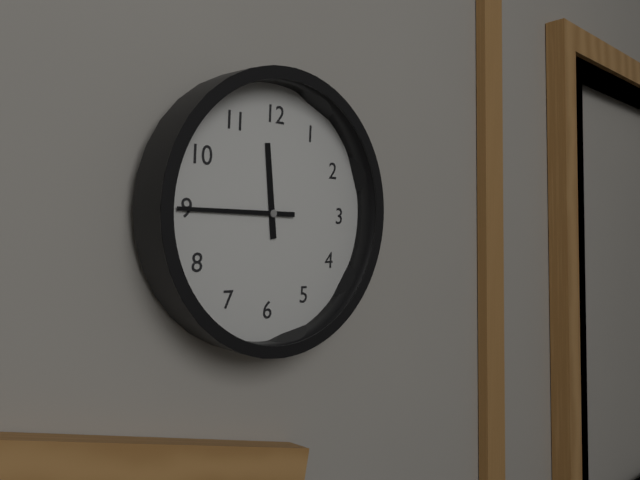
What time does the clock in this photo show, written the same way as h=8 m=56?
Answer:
h=11 m=45
